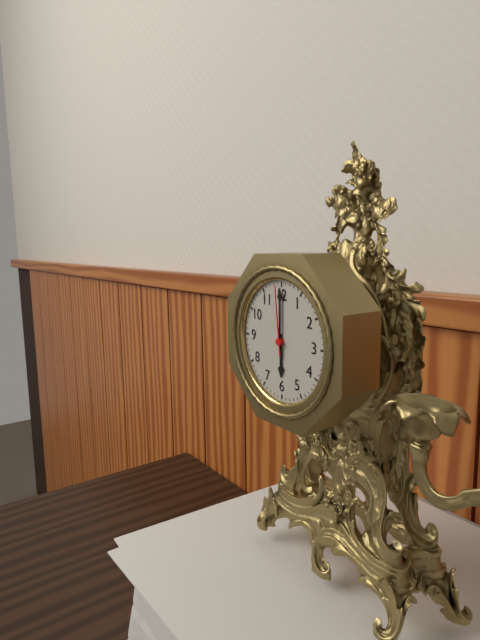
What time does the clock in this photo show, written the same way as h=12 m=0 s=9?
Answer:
h=6 m=0 s=59
